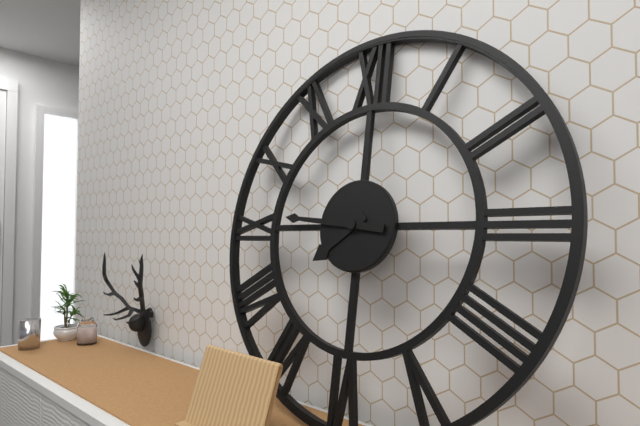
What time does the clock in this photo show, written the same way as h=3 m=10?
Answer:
h=7 m=46
